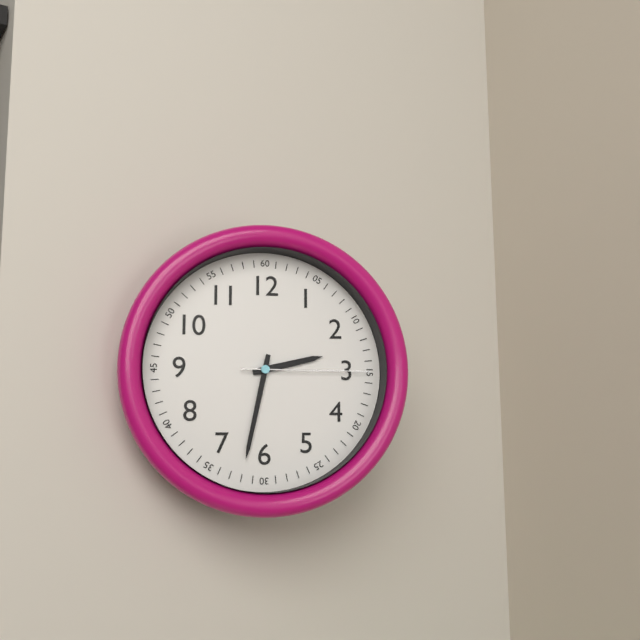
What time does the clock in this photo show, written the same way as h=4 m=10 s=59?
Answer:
h=2 m=32 s=15
